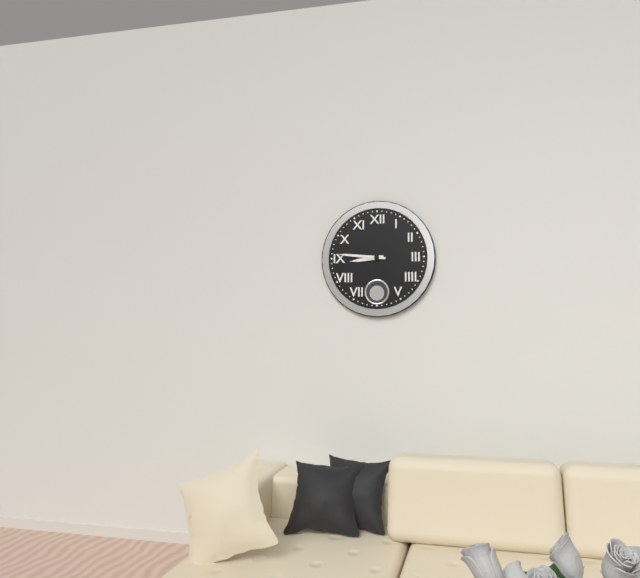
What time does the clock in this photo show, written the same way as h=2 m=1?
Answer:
h=8 m=46
